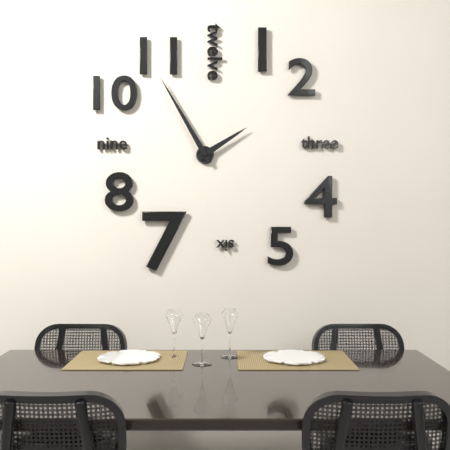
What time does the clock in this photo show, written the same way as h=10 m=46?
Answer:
h=1 m=55
